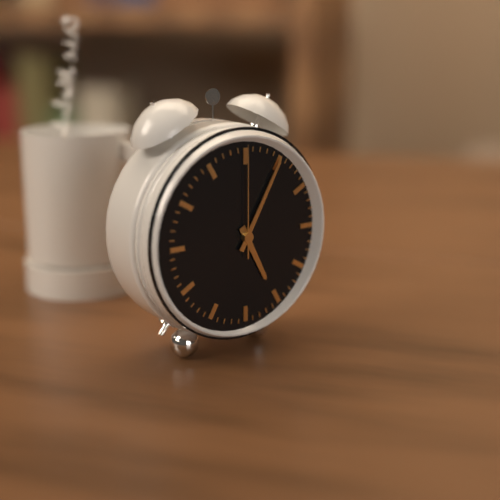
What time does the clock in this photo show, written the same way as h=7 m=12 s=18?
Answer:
h=5 m=5 s=0
